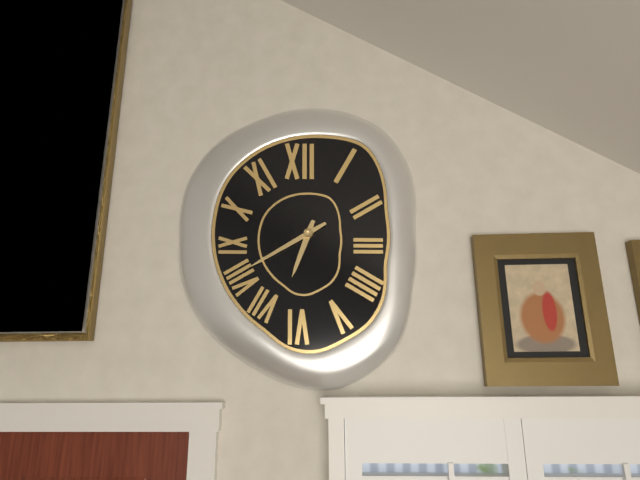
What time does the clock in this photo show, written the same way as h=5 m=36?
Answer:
h=6 m=40
